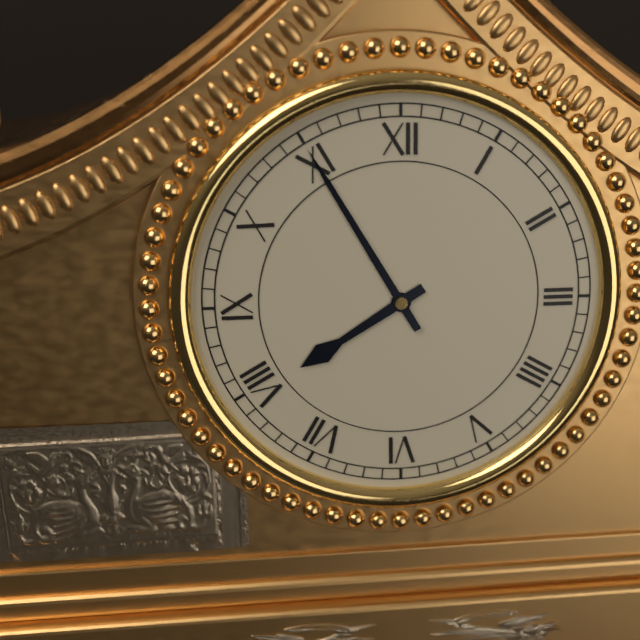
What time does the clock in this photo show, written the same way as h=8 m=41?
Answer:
h=7 m=55
